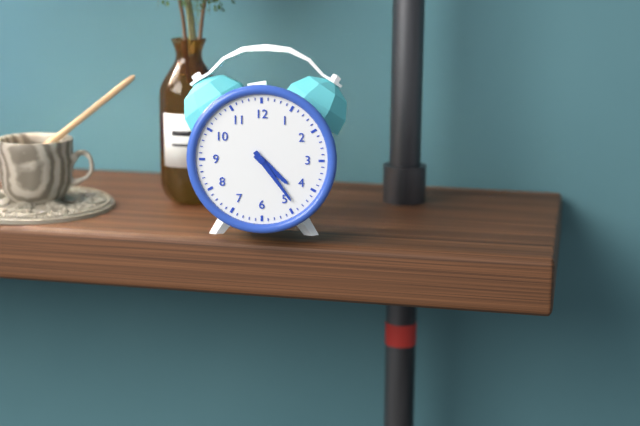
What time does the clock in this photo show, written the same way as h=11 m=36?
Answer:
h=4 m=24
